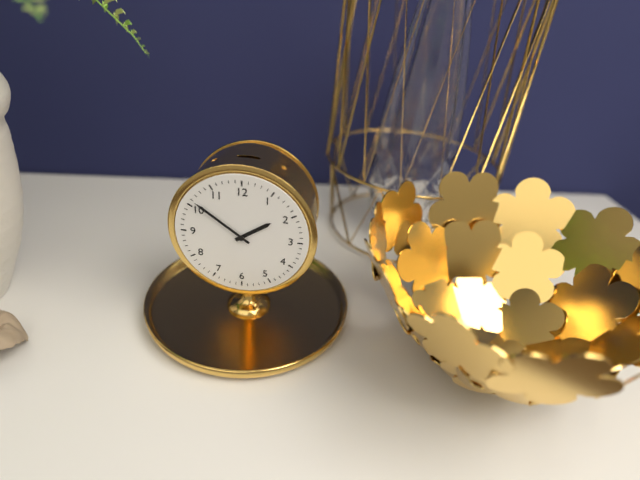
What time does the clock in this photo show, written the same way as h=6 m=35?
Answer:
h=1 m=51
